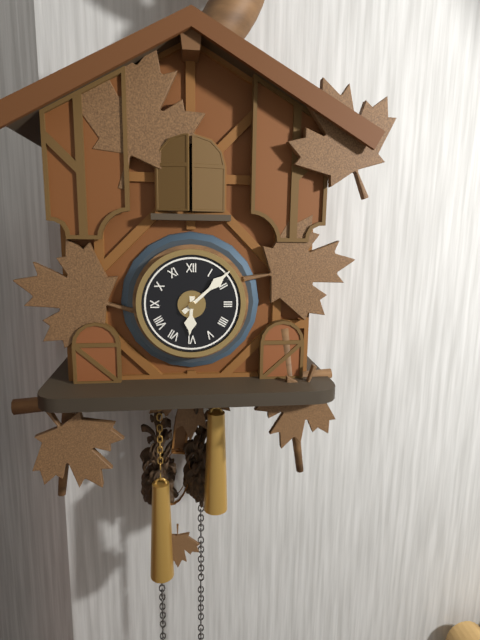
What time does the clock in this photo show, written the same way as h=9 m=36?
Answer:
h=6 m=8
